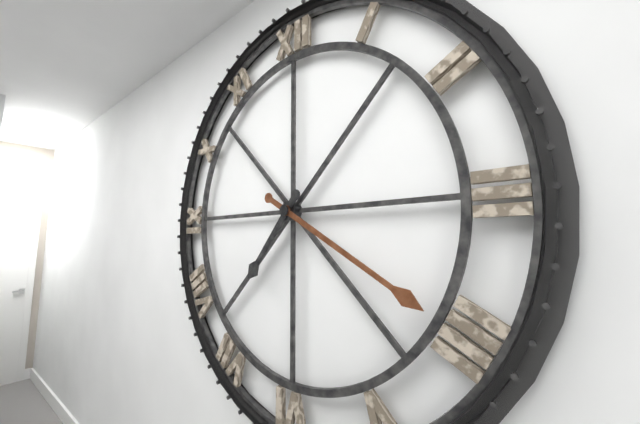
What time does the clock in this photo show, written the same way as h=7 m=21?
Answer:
h=7 m=20
